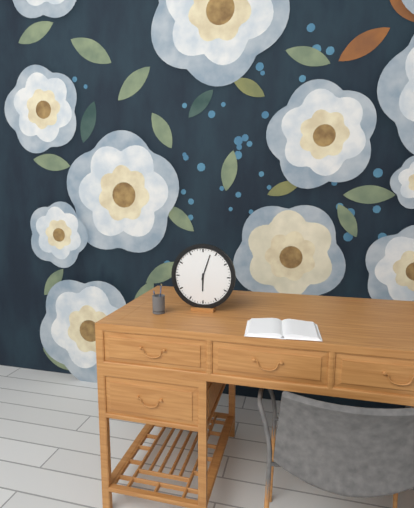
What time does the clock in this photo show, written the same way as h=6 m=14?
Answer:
h=6 m=3
